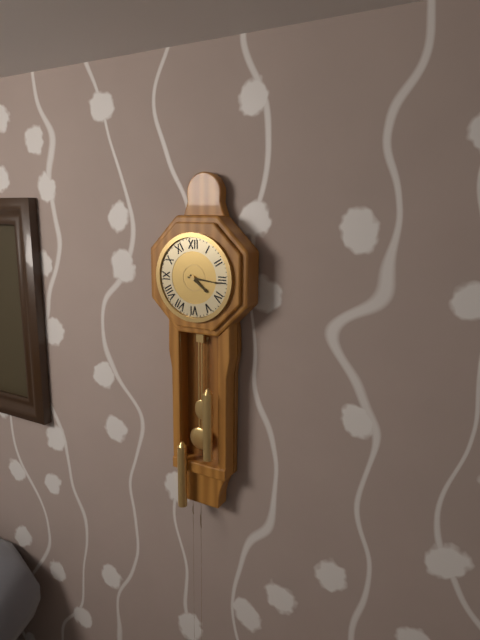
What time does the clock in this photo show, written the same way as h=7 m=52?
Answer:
h=4 m=16
